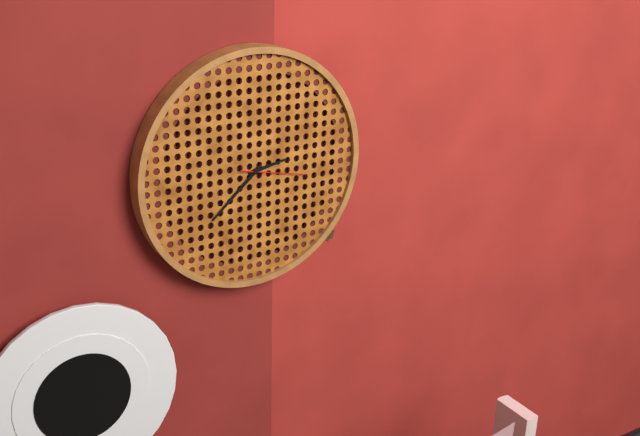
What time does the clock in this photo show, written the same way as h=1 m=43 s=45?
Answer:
h=2 m=38 s=17
